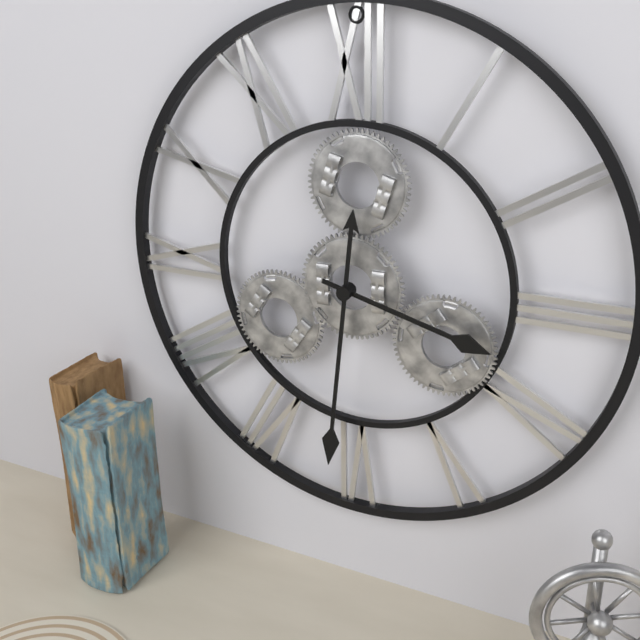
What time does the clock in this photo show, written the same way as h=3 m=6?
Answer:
h=3 m=31
